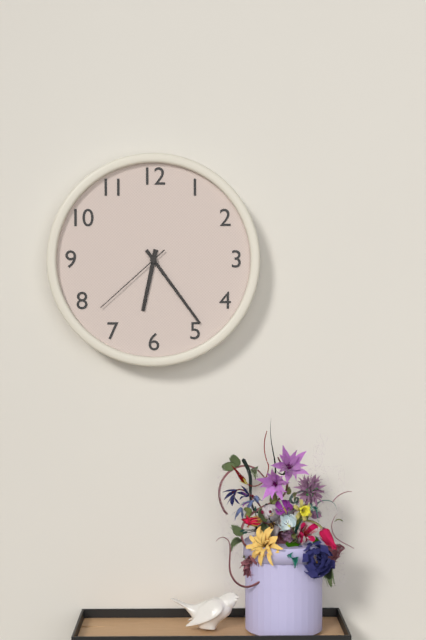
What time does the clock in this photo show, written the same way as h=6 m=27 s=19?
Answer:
h=6 m=24 s=38
